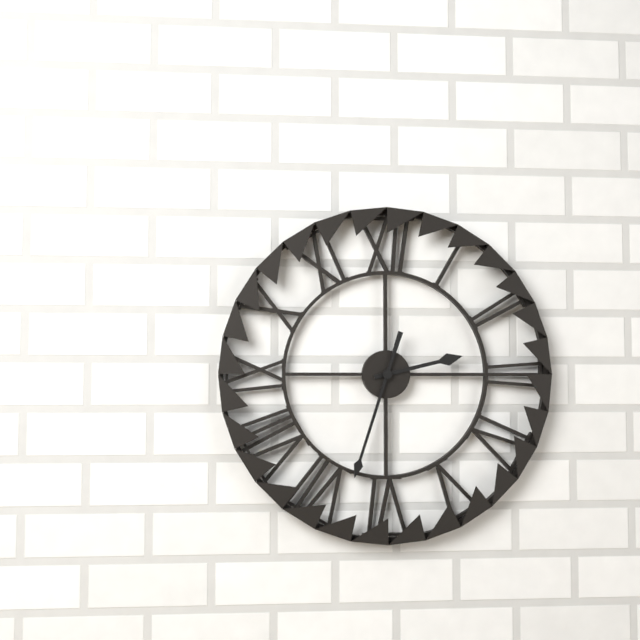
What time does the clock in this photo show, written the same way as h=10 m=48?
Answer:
h=2 m=33
